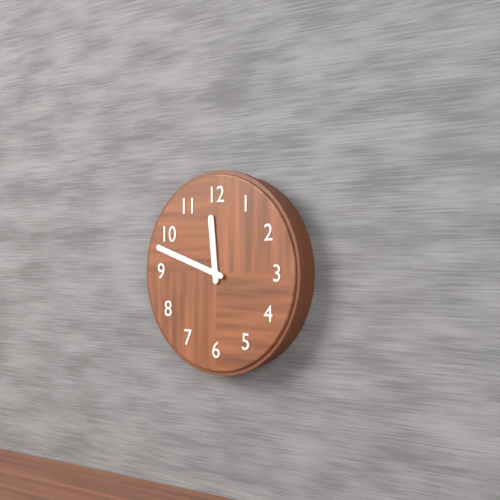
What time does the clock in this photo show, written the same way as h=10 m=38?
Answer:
h=11 m=48
